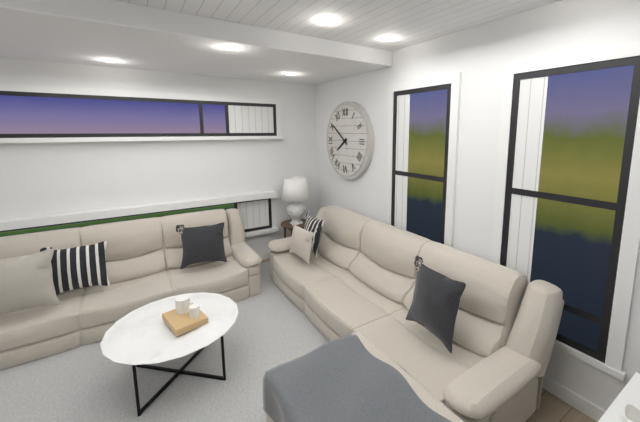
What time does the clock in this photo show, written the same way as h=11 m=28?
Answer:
h=7 m=51
